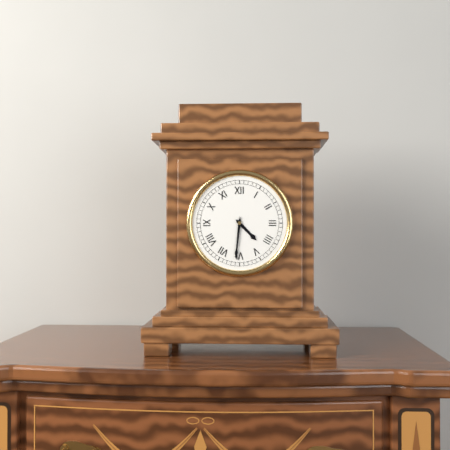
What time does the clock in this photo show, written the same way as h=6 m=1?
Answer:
h=4 m=31
